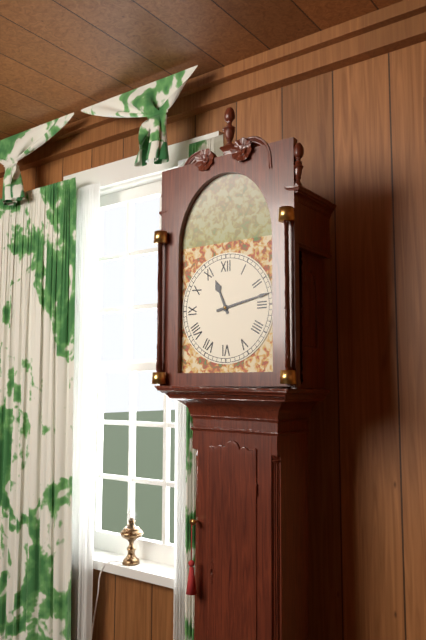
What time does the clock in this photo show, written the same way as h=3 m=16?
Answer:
h=11 m=13
